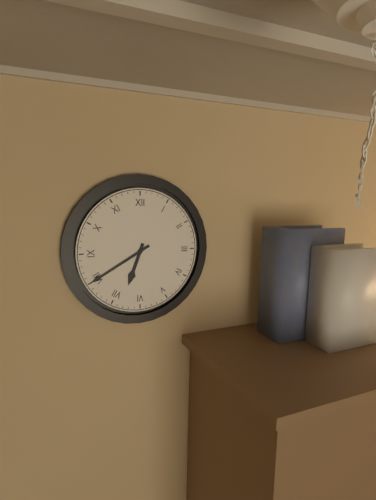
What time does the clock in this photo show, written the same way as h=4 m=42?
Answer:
h=6 m=40
